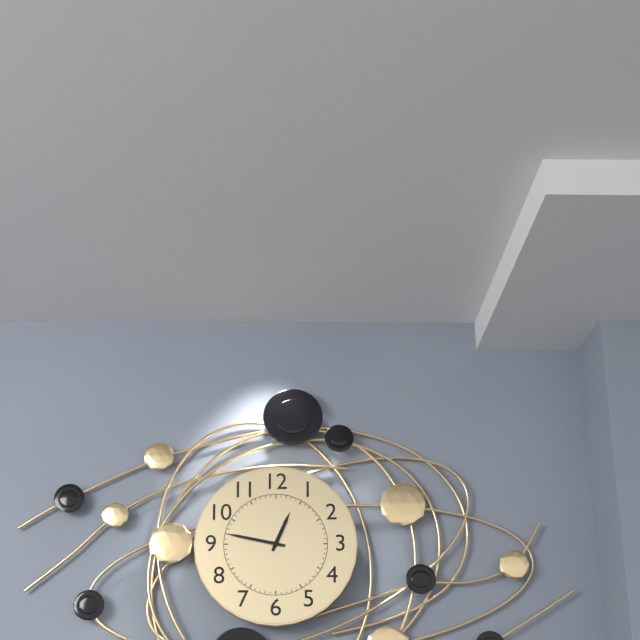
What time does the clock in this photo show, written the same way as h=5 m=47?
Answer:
h=12 m=47
